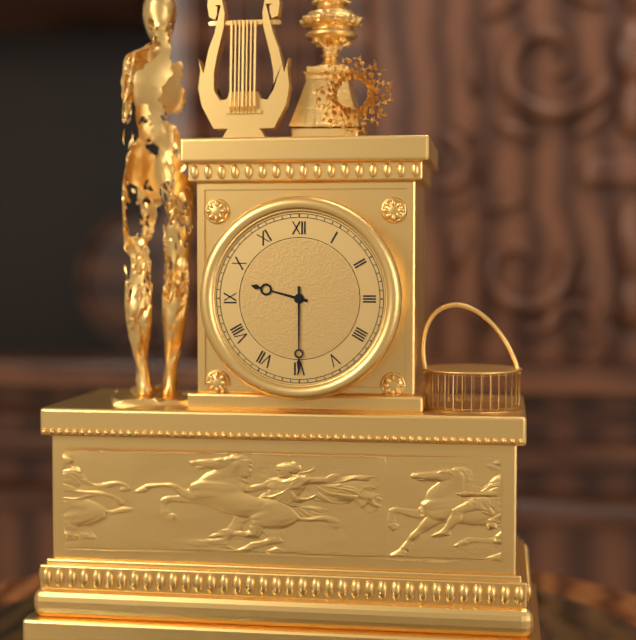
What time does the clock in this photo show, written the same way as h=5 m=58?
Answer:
h=9 m=30
